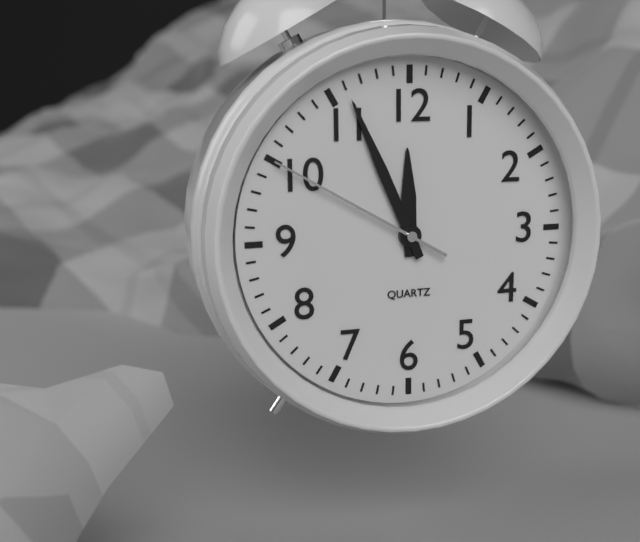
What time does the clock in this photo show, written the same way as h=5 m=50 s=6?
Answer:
h=11 m=56 s=50
